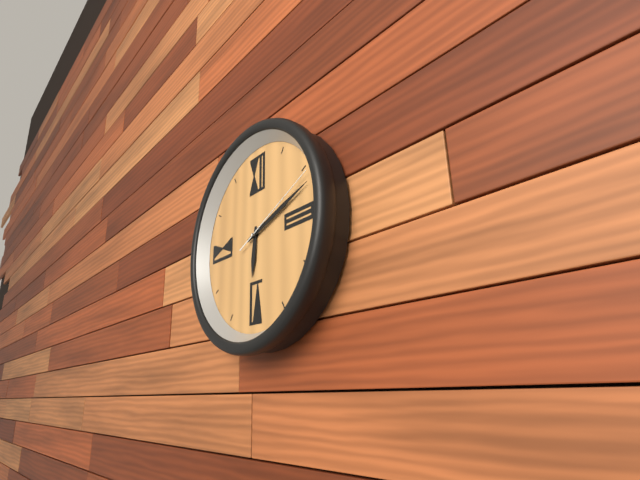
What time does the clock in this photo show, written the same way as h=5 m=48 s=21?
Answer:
h=6 m=12 s=11
